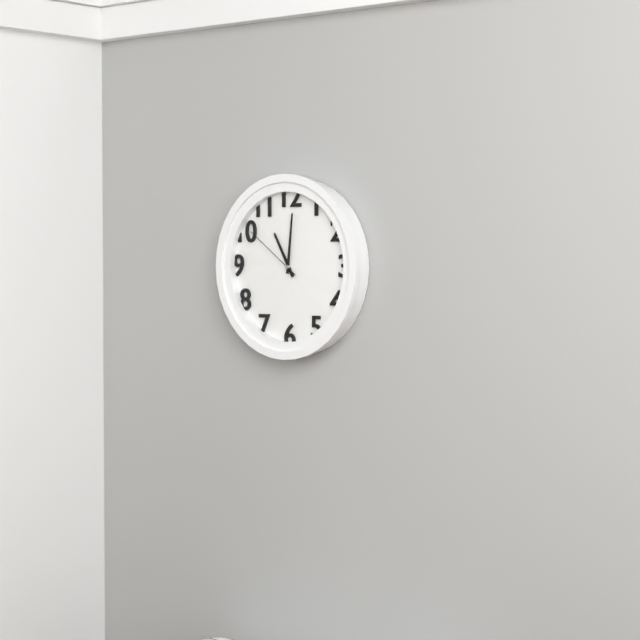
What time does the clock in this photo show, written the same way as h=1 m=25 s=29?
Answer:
h=11 m=1 s=51
